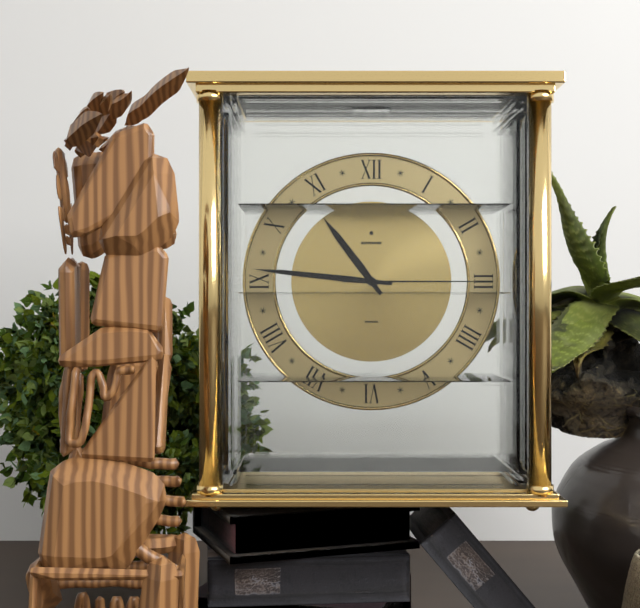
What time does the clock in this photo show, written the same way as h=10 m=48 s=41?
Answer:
h=10 m=46 s=15
